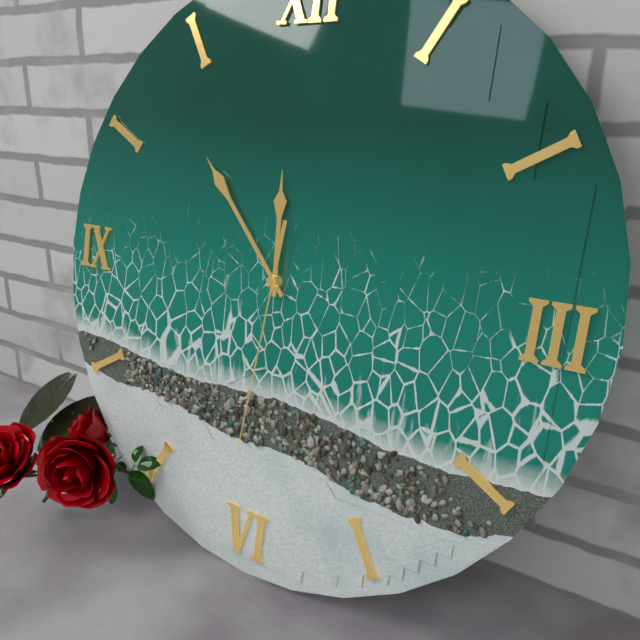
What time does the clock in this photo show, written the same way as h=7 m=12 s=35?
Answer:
h=11 m=53 s=31
